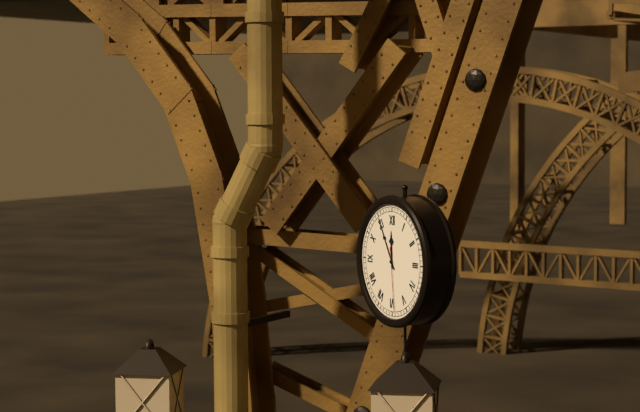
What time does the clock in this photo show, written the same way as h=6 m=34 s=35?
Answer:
h=11 m=55 s=29
